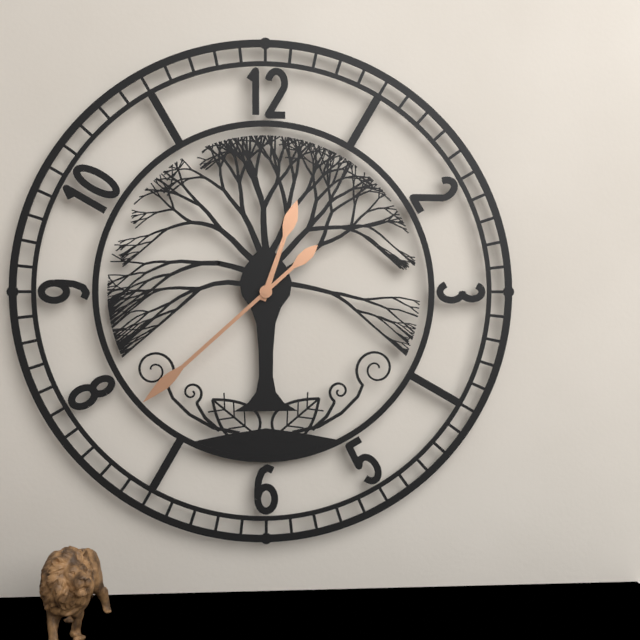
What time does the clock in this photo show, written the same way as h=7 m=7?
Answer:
h=12 m=38
